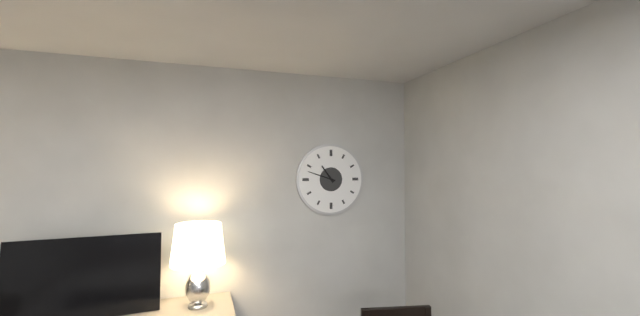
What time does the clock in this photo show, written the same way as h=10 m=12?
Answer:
h=10 m=48
